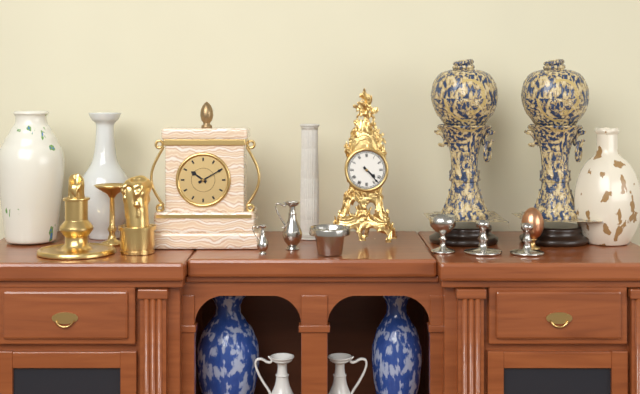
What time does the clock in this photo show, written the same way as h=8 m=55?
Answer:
h=4 m=23
